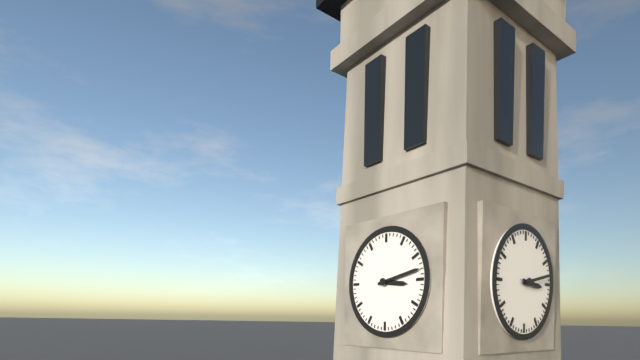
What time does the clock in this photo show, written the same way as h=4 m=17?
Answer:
h=3 m=13
